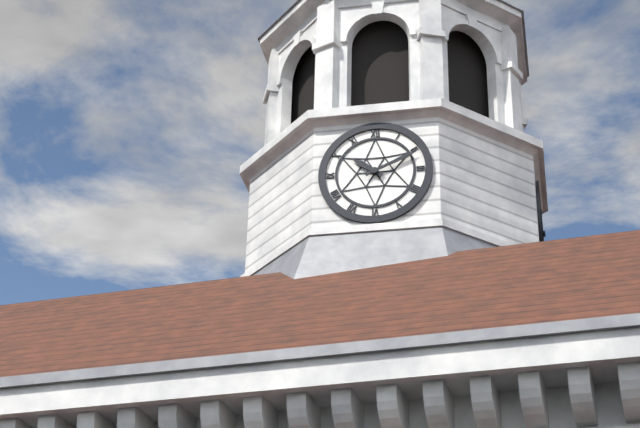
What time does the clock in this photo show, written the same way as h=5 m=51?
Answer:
h=10 m=11
